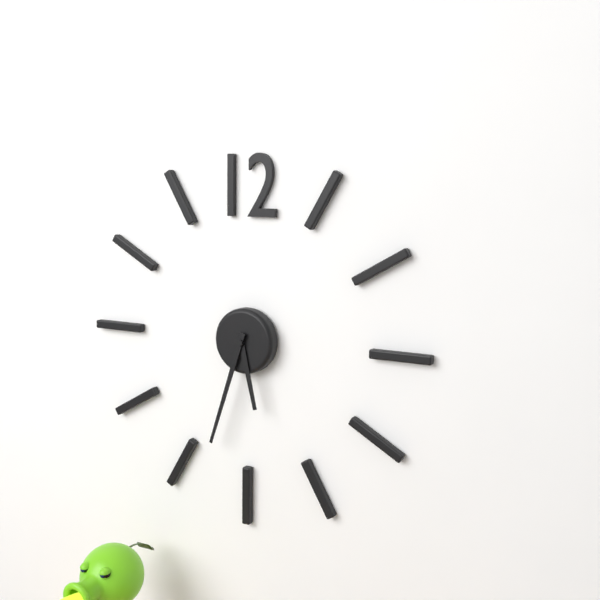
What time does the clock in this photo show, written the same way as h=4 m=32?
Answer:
h=5 m=33
